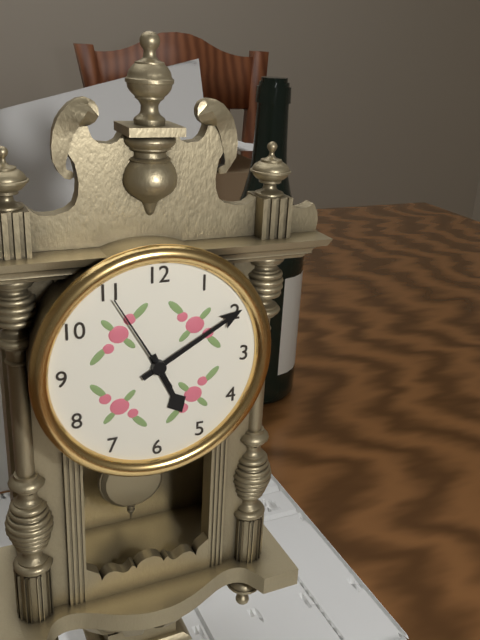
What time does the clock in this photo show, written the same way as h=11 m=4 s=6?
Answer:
h=5 m=10 s=55
